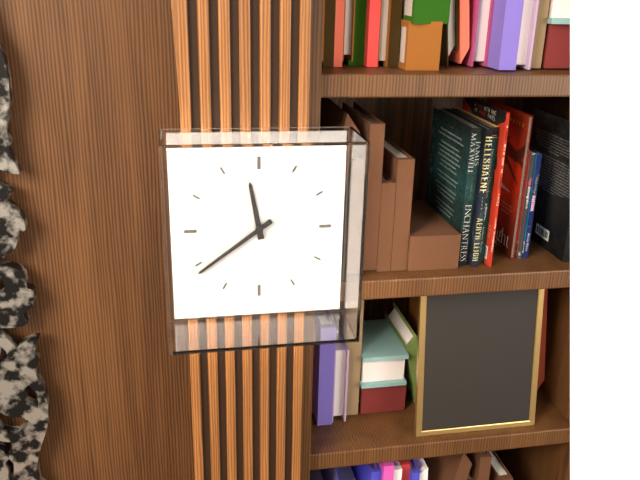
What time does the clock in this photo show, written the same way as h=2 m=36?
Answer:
h=11 m=39
